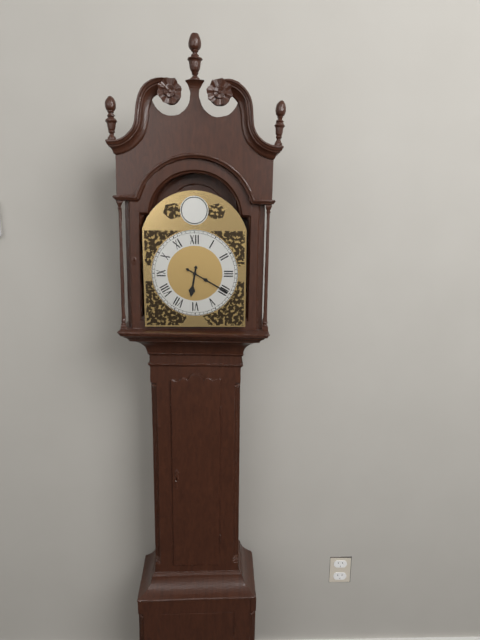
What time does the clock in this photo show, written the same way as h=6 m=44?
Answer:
h=6 m=20
